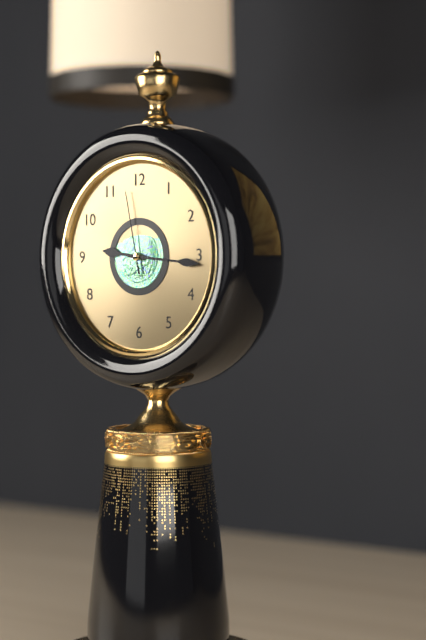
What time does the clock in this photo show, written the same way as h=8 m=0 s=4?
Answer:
h=9 m=16 s=58
